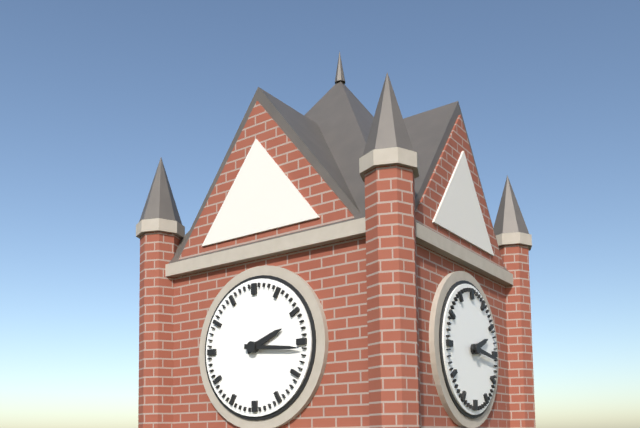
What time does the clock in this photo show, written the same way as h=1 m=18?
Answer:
h=2 m=16
